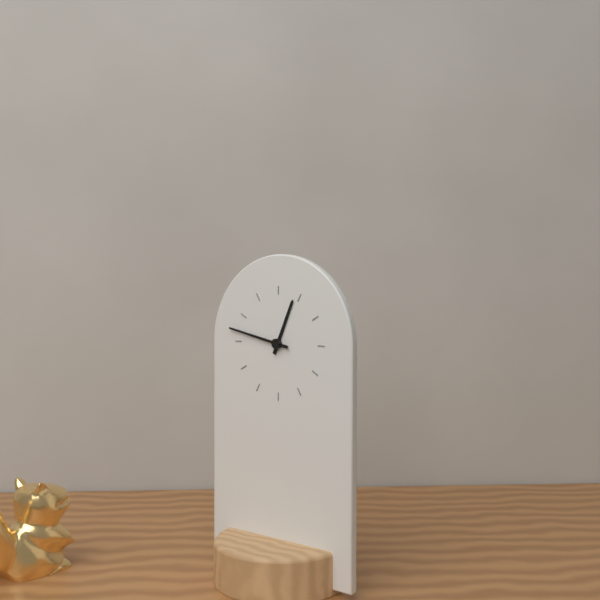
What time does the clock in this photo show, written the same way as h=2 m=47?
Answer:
h=12 m=47
